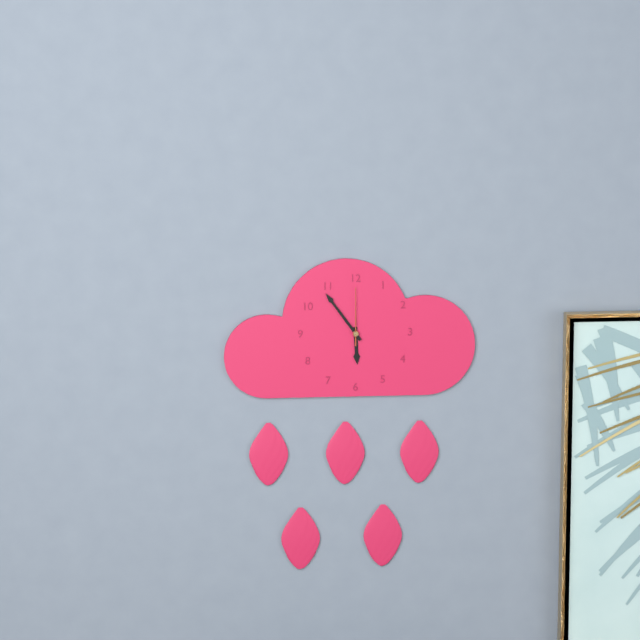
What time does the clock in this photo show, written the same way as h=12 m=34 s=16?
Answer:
h=5 m=54 s=0
